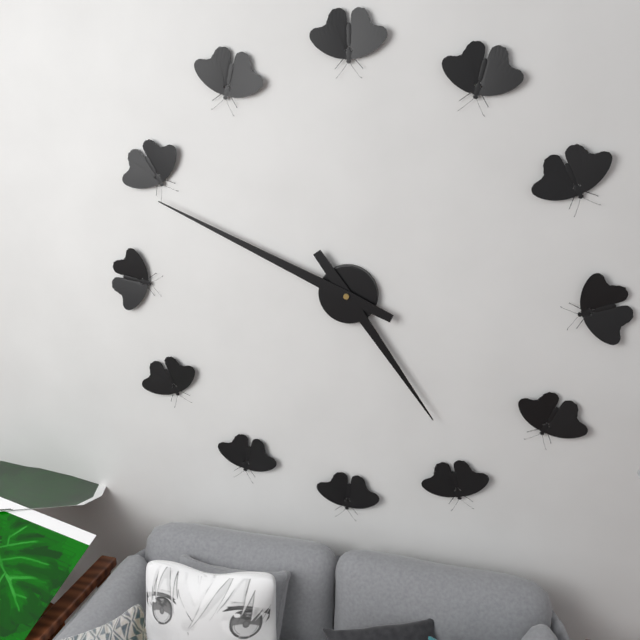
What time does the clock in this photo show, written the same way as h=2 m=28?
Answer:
h=4 m=49
